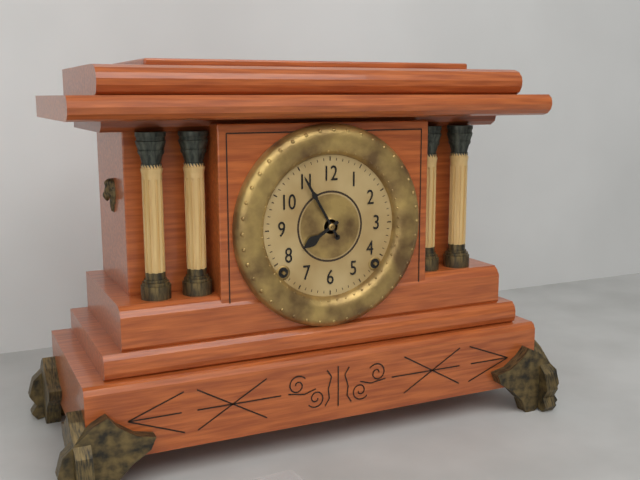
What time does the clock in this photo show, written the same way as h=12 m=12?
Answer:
h=7 m=55
